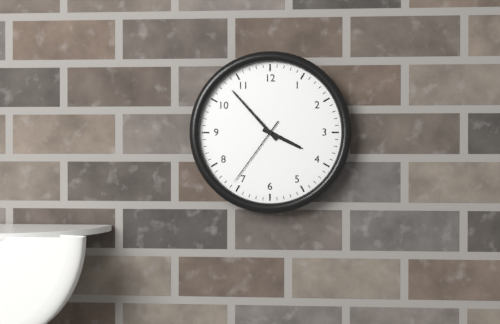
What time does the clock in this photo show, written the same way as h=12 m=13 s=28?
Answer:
h=3 m=53 s=36
